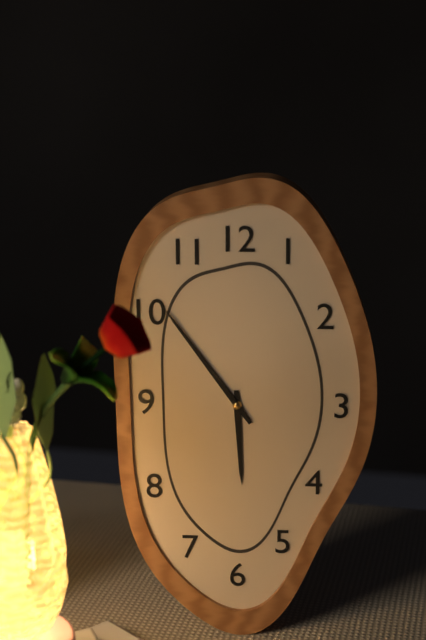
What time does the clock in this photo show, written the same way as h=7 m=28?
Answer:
h=5 m=54
